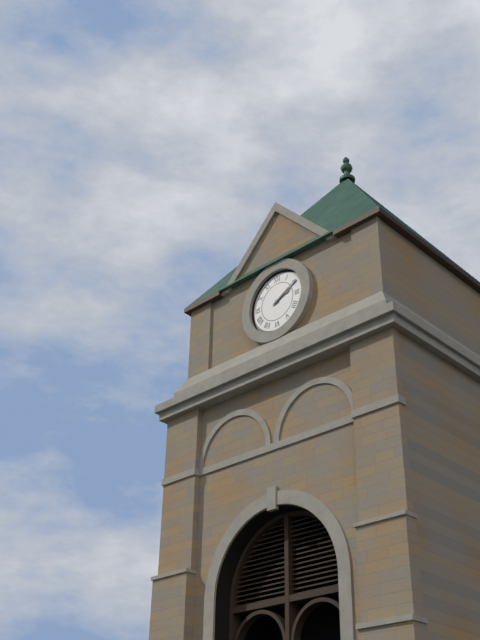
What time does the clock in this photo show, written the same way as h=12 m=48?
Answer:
h=2 m=10
